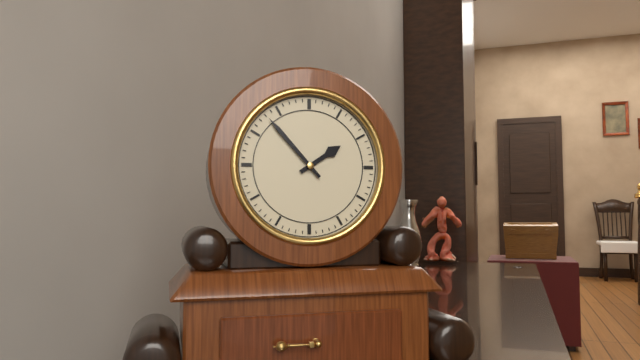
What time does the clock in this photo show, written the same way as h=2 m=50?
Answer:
h=1 m=53
